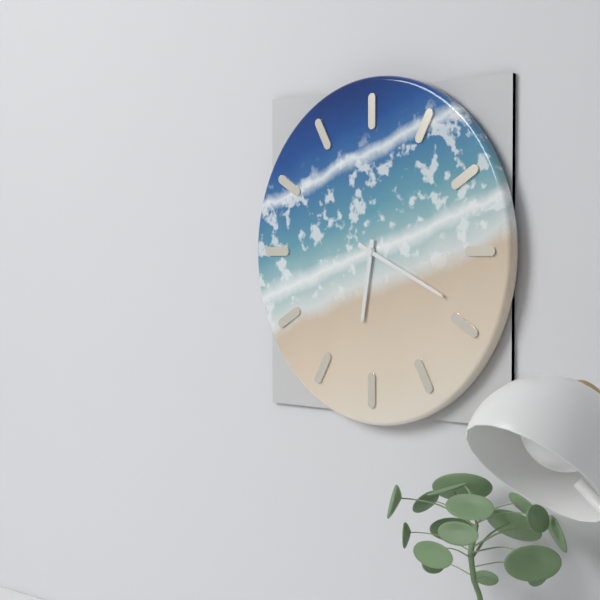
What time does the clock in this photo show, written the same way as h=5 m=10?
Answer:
h=6 m=19
